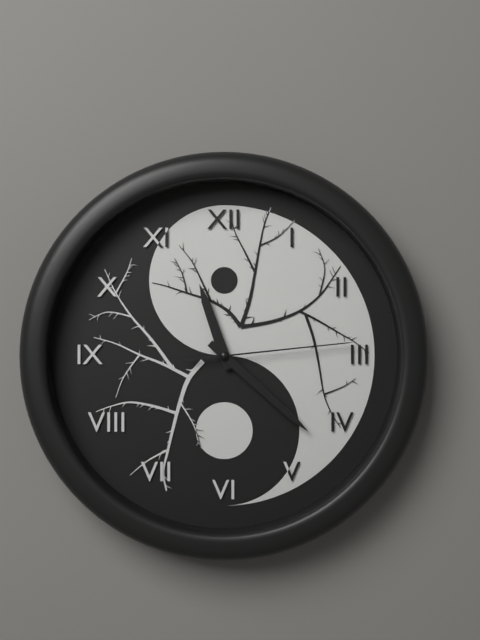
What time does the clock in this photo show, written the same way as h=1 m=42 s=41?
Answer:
h=11 m=22 s=14
